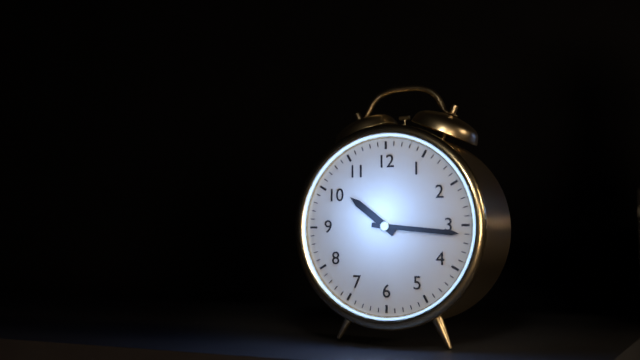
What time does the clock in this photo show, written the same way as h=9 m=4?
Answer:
h=10 m=16
